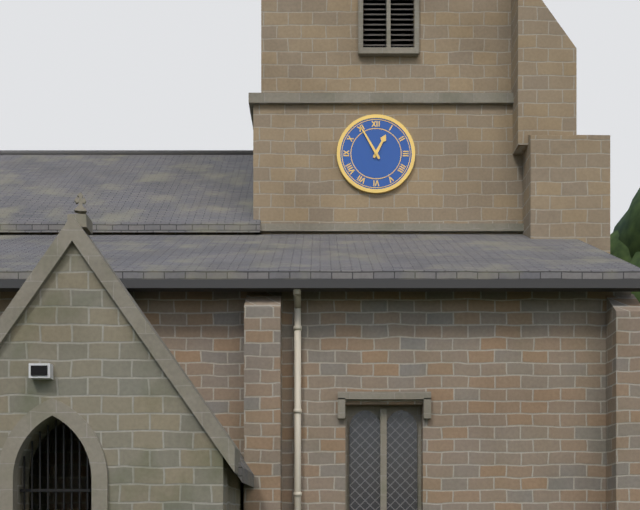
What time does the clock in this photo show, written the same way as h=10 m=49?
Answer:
h=12 m=55
